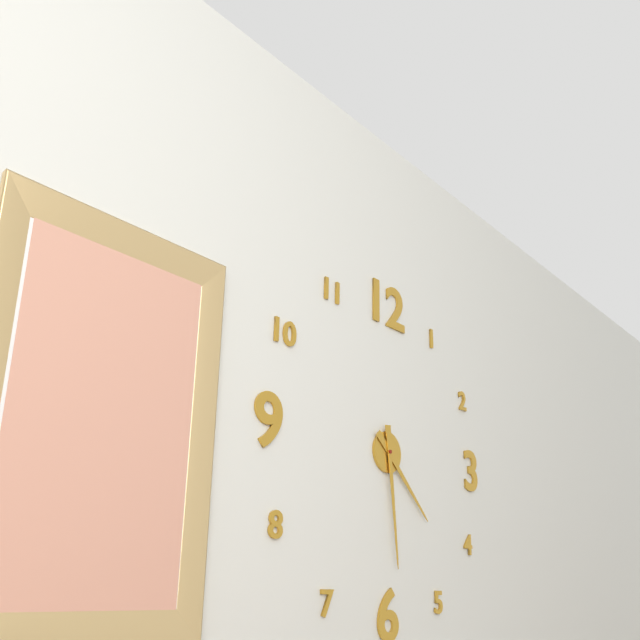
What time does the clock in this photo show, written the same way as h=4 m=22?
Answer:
h=4 m=29
